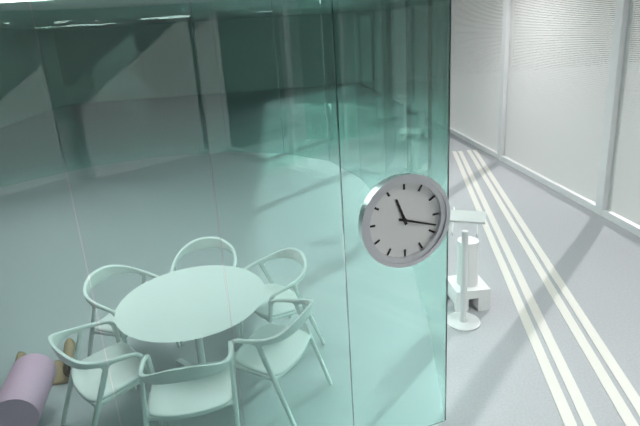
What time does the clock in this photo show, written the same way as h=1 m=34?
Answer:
h=11 m=18
